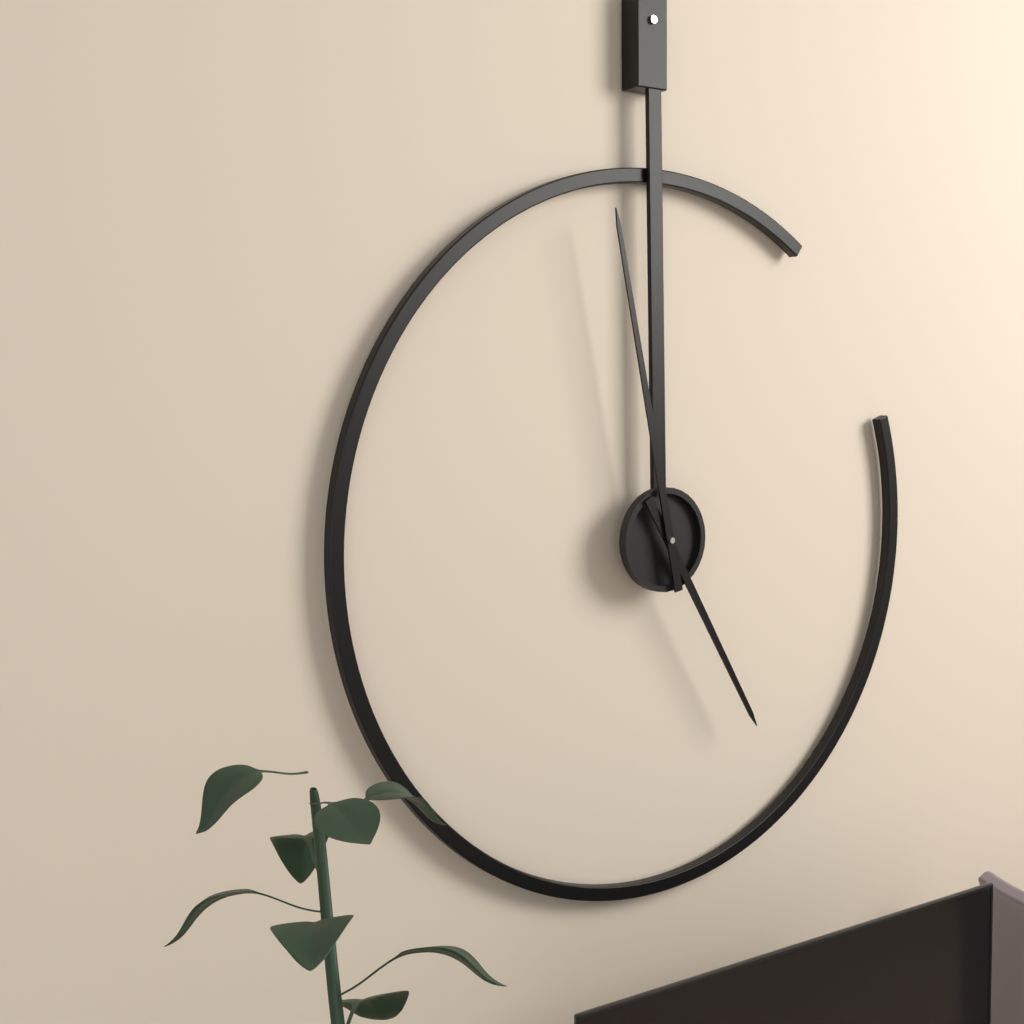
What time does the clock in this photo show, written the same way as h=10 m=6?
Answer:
h=4 m=58
